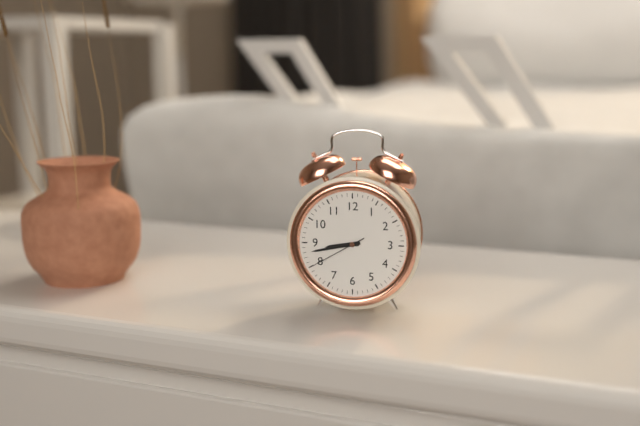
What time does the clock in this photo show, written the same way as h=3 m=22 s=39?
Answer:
h=8 m=43 s=40
